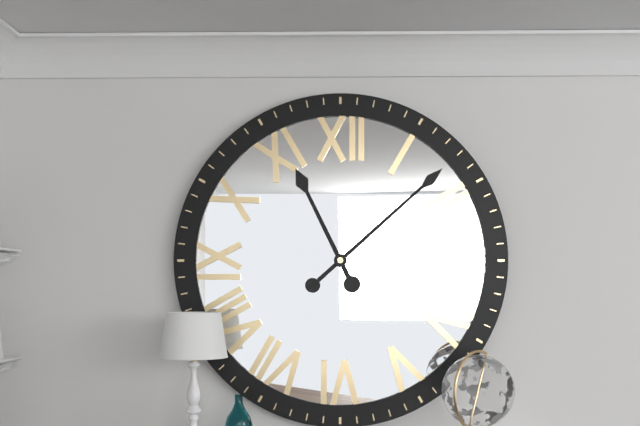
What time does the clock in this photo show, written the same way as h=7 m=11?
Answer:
h=11 m=8
